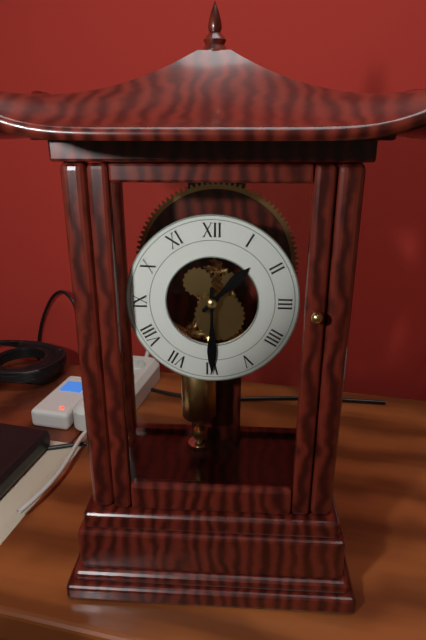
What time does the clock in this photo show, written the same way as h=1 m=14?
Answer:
h=1 m=30
